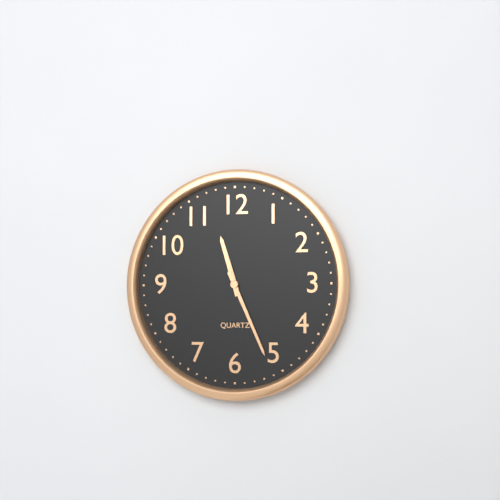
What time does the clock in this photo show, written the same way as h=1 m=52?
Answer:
h=11 m=26
